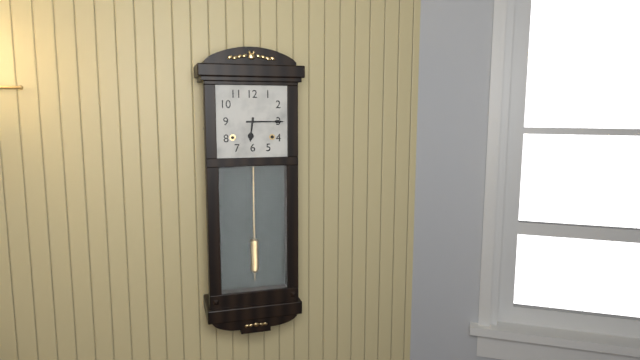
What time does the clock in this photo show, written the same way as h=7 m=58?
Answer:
h=6 m=15
